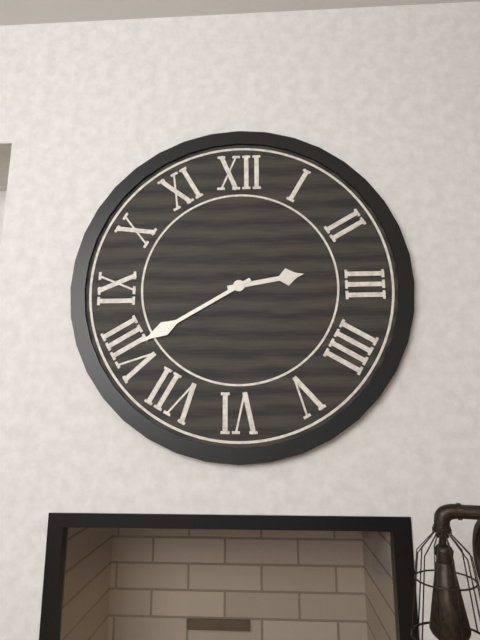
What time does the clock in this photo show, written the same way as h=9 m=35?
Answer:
h=2 m=40
